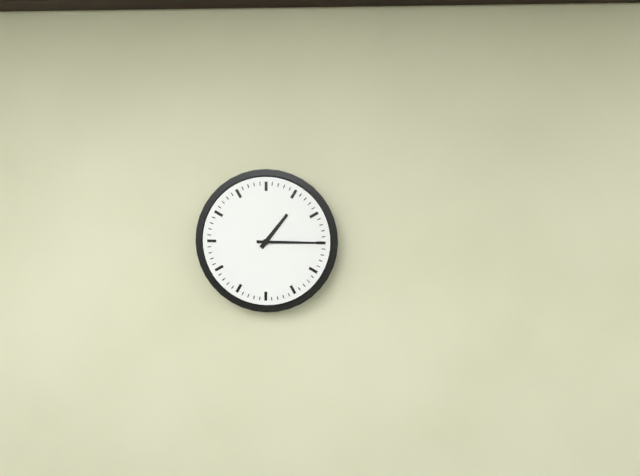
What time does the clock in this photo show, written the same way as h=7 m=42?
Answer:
h=1 m=15
